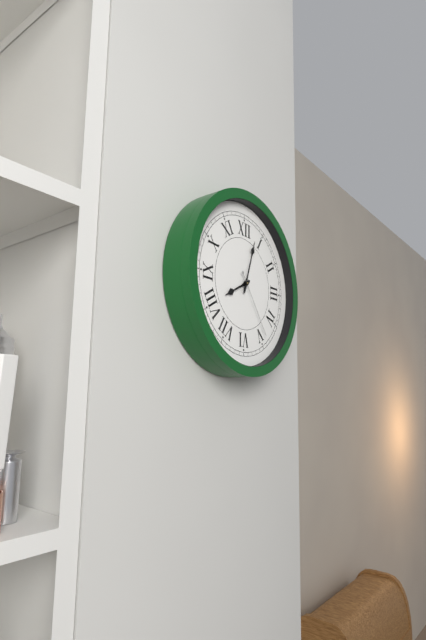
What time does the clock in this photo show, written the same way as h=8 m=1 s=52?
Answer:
h=8 m=3 s=24
